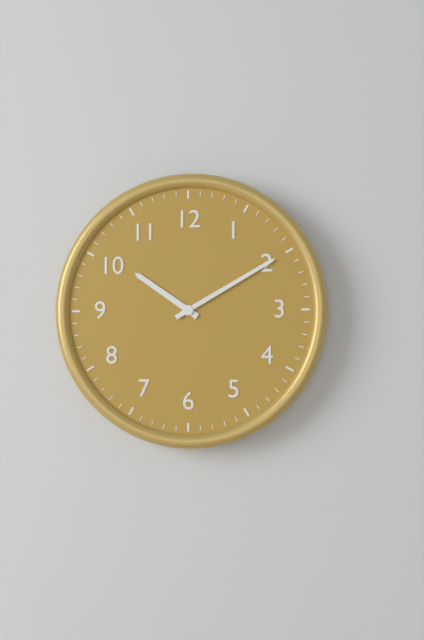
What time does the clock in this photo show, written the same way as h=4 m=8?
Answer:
h=10 m=10
